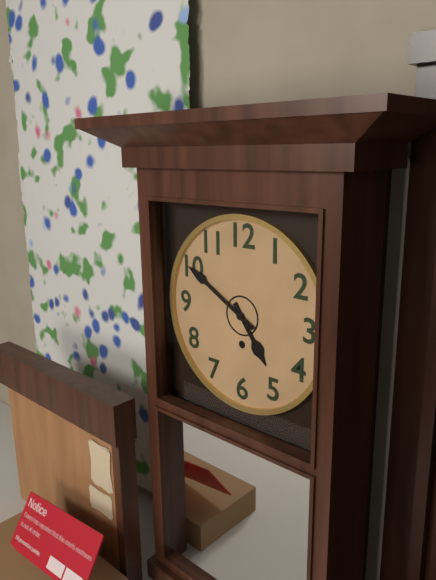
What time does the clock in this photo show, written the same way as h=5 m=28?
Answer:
h=4 m=50
